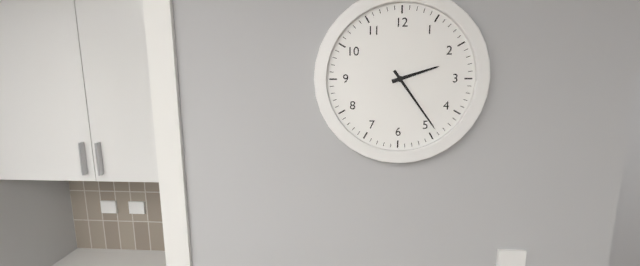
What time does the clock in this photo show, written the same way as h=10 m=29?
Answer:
h=2 m=24
